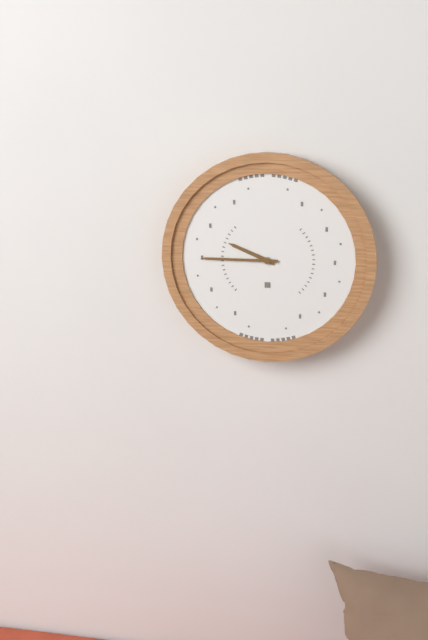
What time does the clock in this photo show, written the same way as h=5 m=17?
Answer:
h=9 m=45
